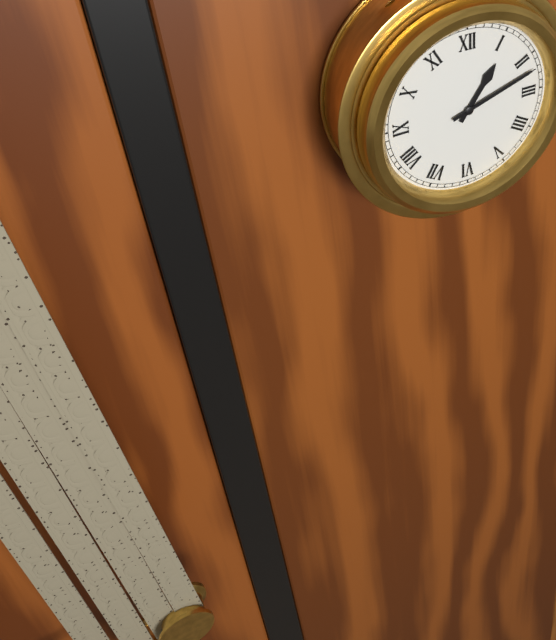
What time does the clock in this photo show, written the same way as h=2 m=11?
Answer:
h=1 m=12
